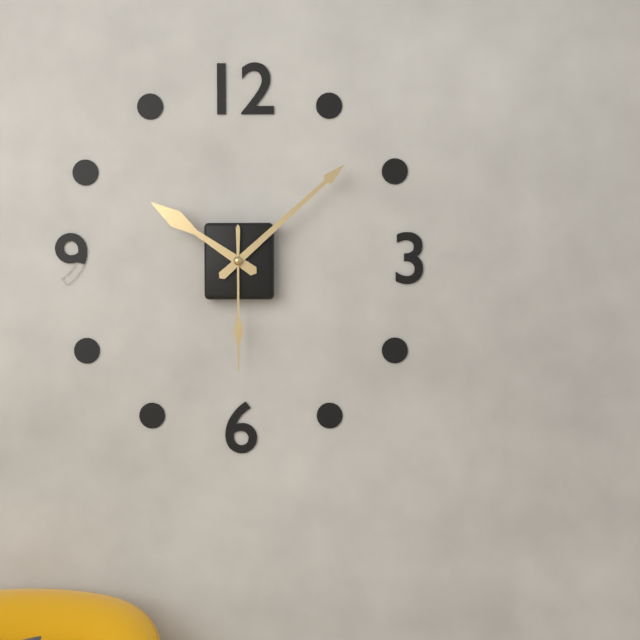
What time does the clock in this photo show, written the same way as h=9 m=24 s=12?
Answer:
h=10 m=8 s=30
